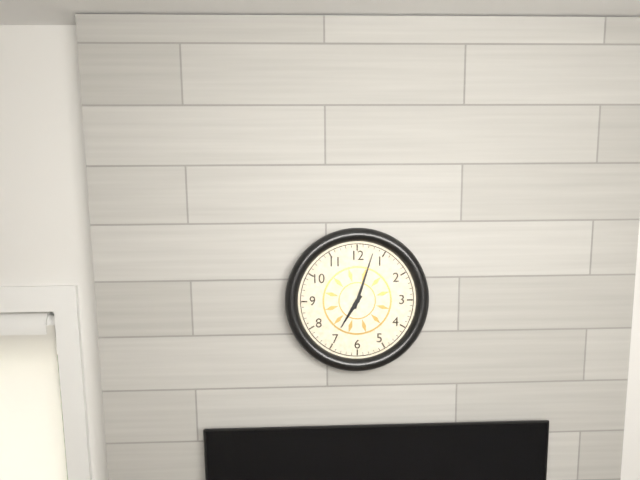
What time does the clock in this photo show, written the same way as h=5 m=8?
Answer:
h=7 m=3
